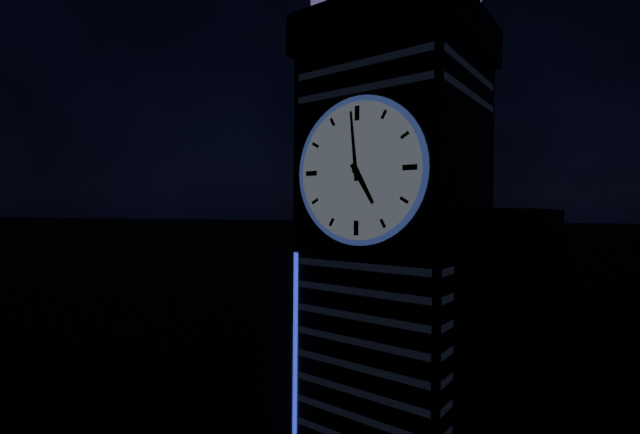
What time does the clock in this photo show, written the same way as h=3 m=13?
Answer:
h=4 m=59
